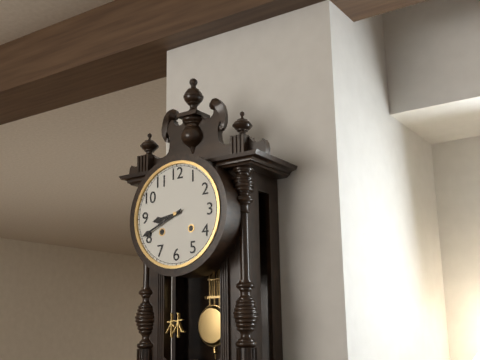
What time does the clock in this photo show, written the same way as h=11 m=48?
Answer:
h=8 m=41
